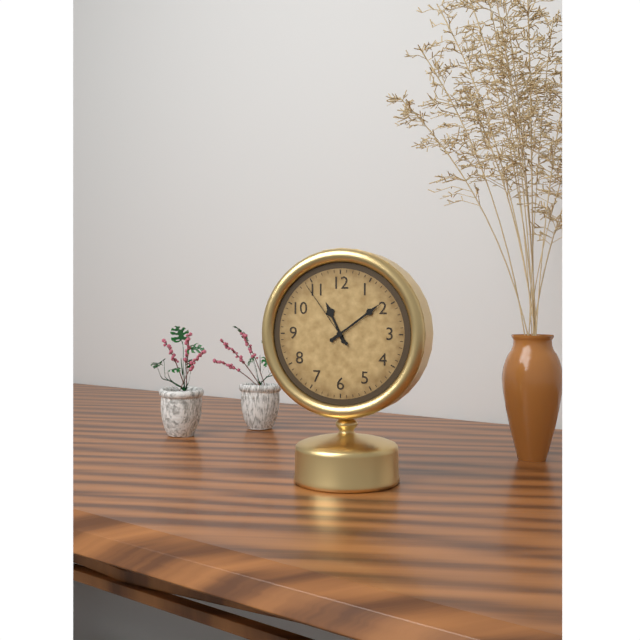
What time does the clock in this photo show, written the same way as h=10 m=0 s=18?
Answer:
h=11 m=9 s=54
